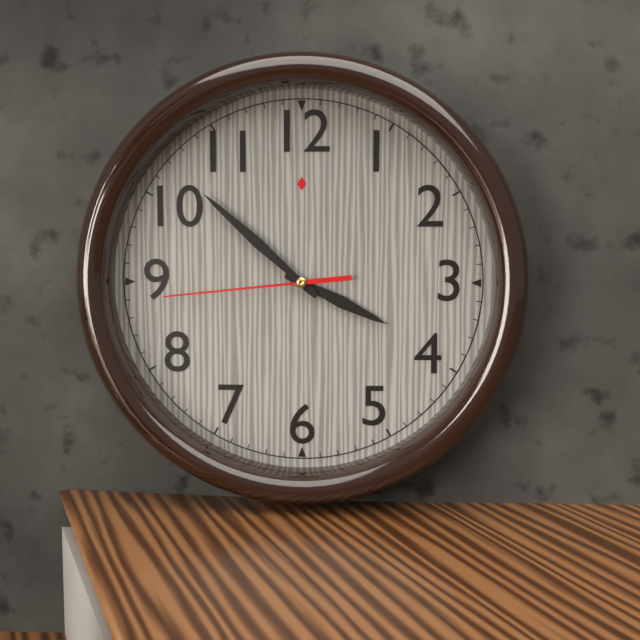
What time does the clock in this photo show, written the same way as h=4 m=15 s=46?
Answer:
h=3 m=52 s=44
